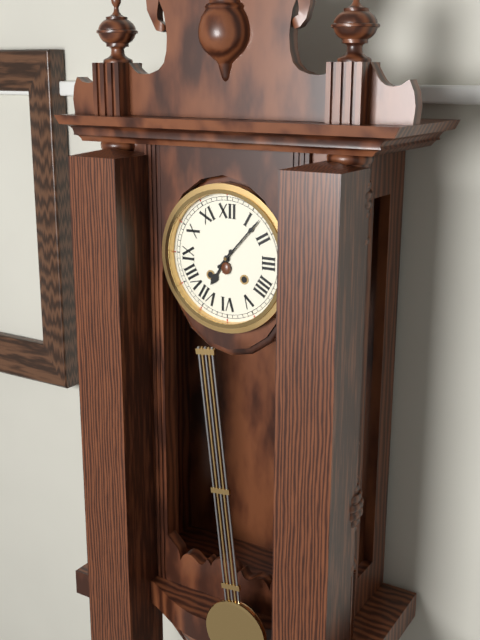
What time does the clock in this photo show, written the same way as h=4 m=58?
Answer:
h=7 m=7
